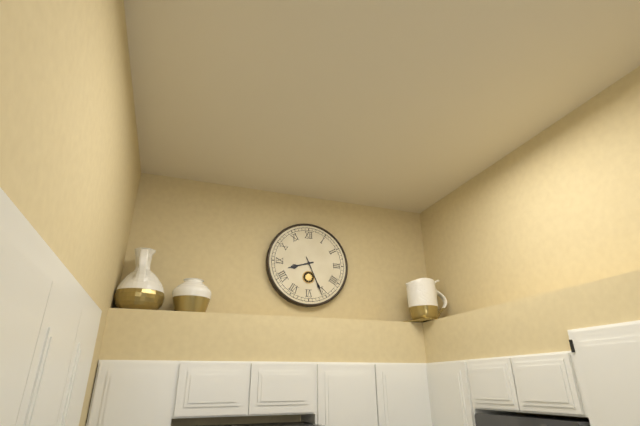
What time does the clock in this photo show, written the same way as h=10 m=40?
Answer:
h=8 m=26
